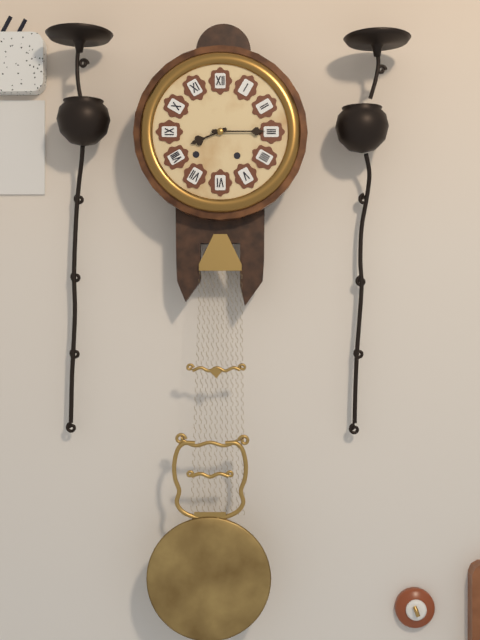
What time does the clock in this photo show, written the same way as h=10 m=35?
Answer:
h=8 m=15
